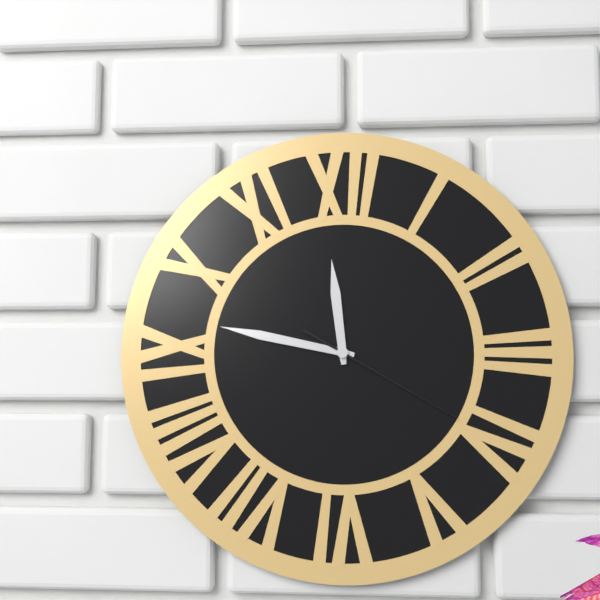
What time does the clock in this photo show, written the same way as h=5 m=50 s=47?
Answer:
h=11 m=47 s=20
